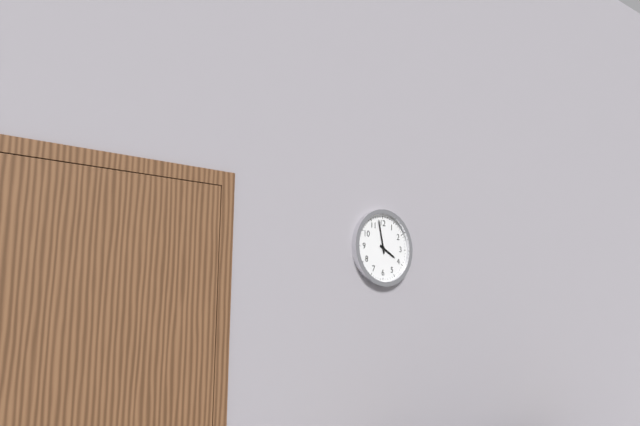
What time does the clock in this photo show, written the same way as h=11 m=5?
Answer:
h=3 m=58
